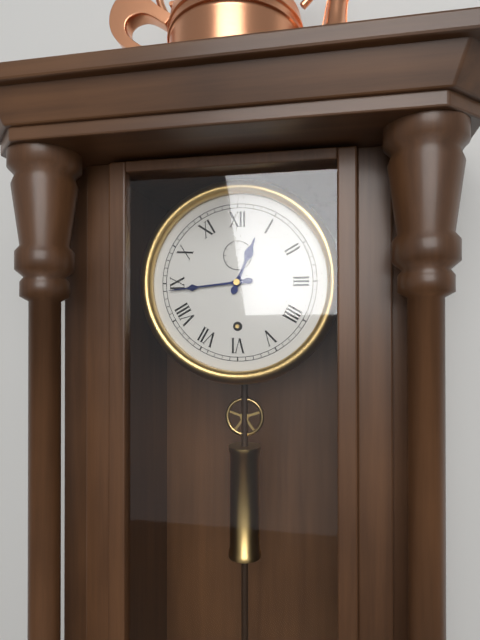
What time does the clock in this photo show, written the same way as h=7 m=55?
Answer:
h=12 m=44
